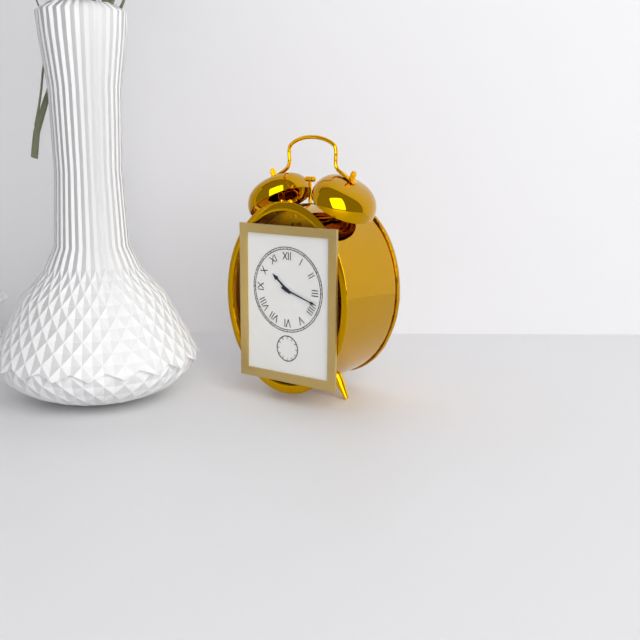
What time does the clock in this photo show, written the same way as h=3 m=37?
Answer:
h=10 m=18
